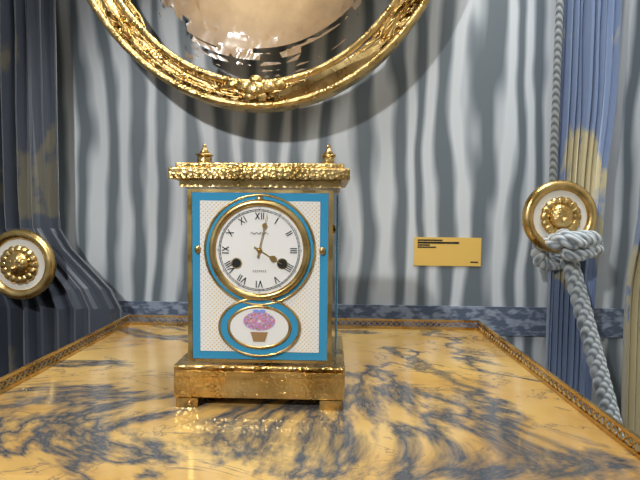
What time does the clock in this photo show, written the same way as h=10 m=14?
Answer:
h=4 m=2
